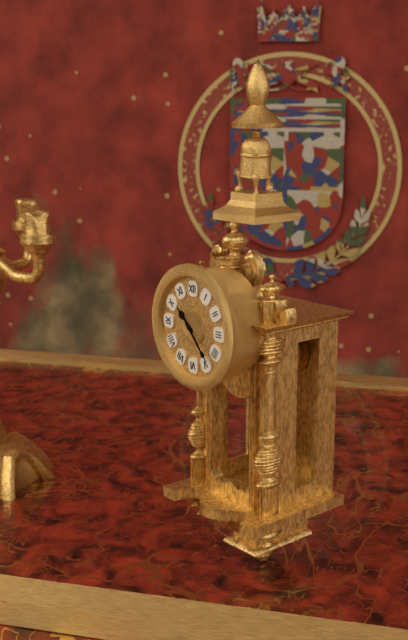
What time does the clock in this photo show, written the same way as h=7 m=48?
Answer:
h=10 m=23
